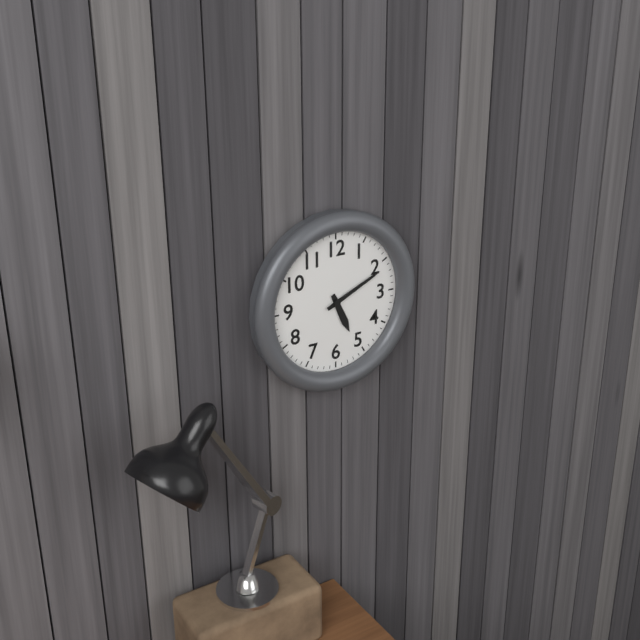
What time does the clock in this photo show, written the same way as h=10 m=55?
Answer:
h=5 m=11
